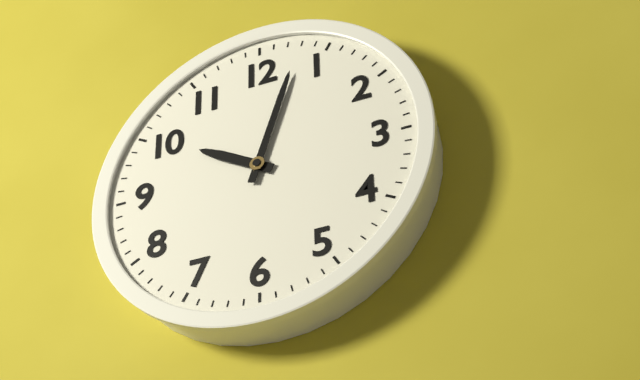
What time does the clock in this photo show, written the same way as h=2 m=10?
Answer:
h=10 m=3
